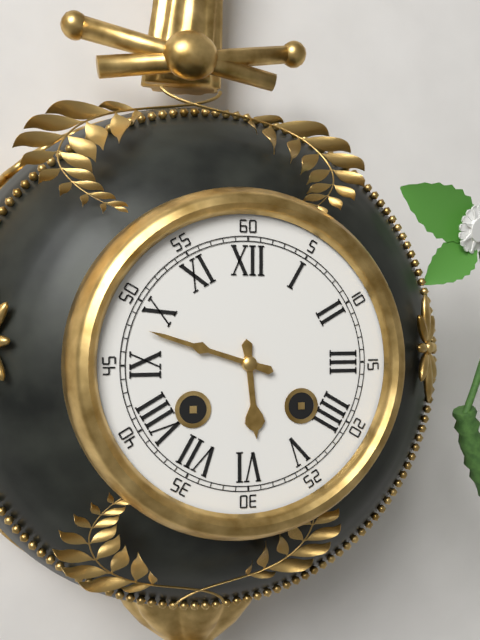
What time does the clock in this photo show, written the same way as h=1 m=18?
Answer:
h=5 m=48
